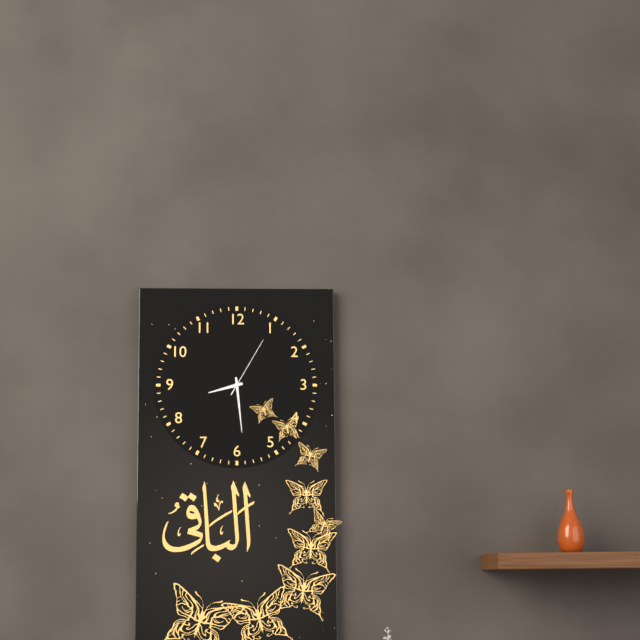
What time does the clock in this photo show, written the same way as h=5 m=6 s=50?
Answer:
h=8 m=29 s=5
